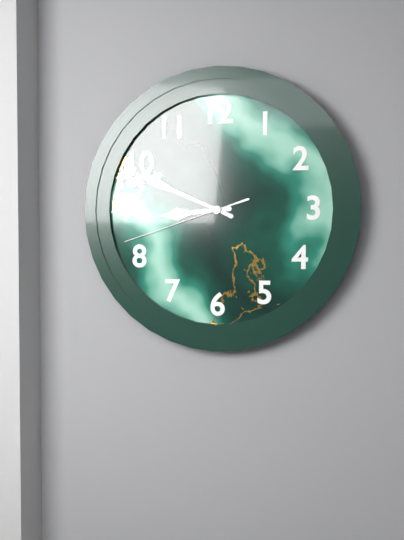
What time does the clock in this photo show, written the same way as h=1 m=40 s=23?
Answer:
h=8 m=49 s=42
